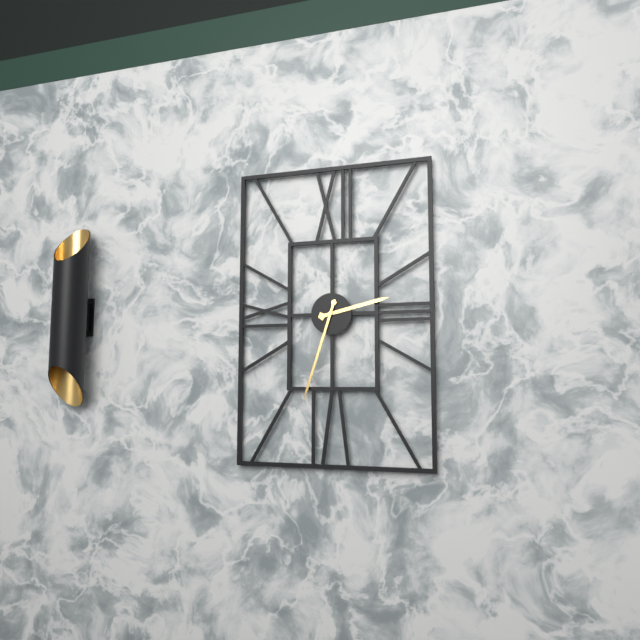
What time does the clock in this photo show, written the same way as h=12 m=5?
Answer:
h=2 m=33
